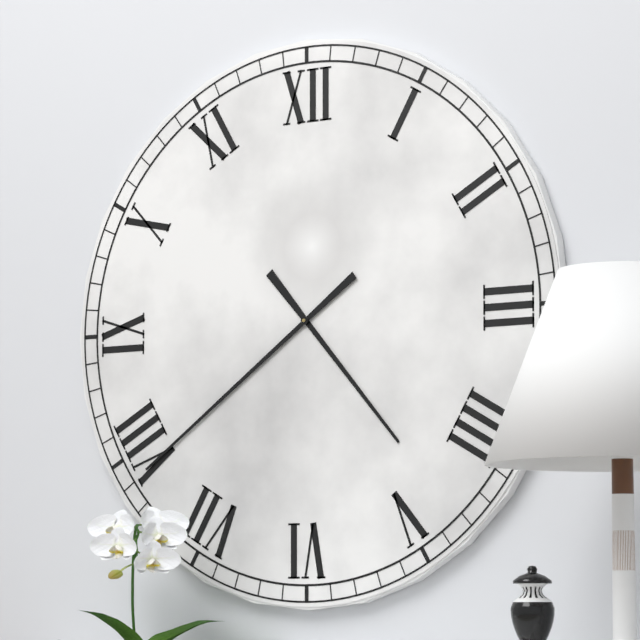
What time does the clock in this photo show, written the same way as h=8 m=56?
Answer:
h=4 m=39
